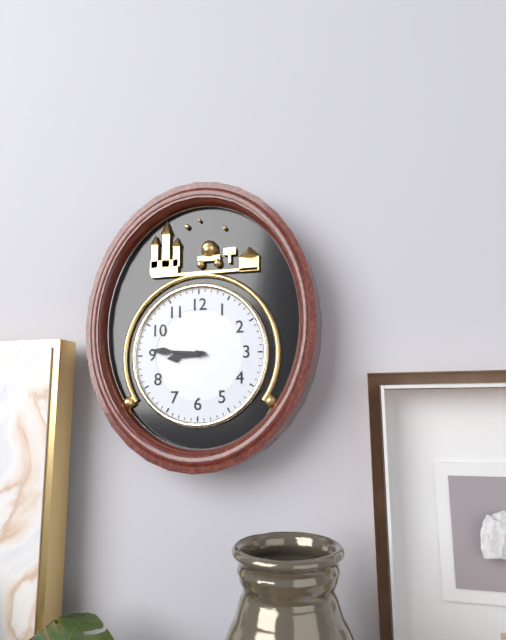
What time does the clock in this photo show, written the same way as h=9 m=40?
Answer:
h=8 m=46
